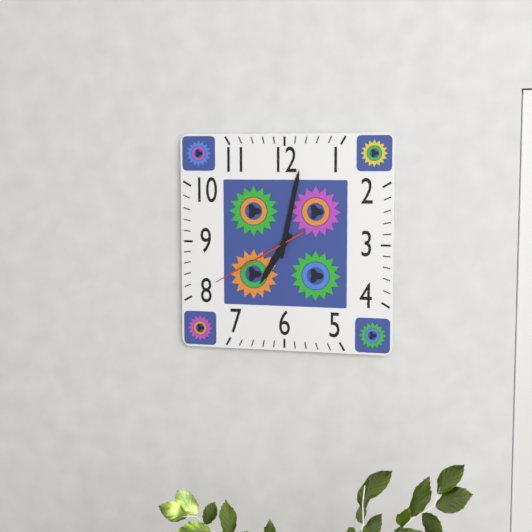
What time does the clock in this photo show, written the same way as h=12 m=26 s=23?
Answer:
h=7 m=2 s=40
